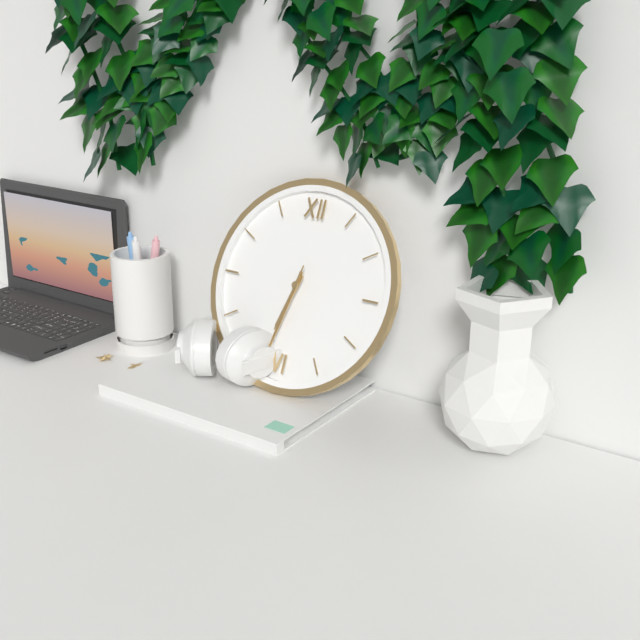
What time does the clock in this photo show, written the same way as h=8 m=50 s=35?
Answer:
h=6 m=32 s=32
